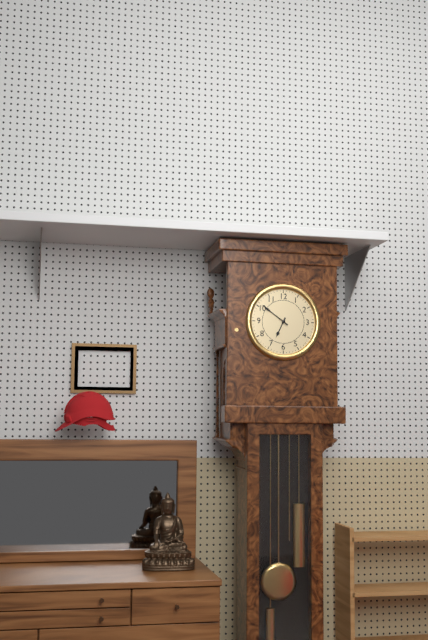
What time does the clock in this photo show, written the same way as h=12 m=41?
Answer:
h=6 m=51
